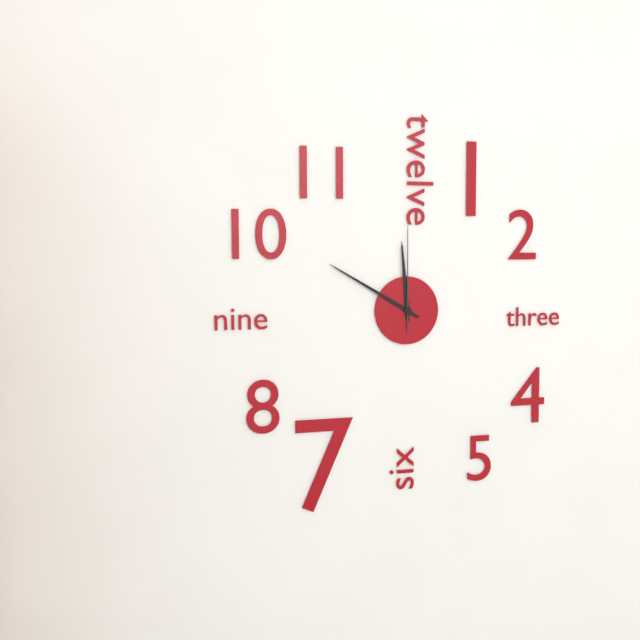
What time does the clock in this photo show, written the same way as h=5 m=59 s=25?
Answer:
h=11 m=50 s=0
